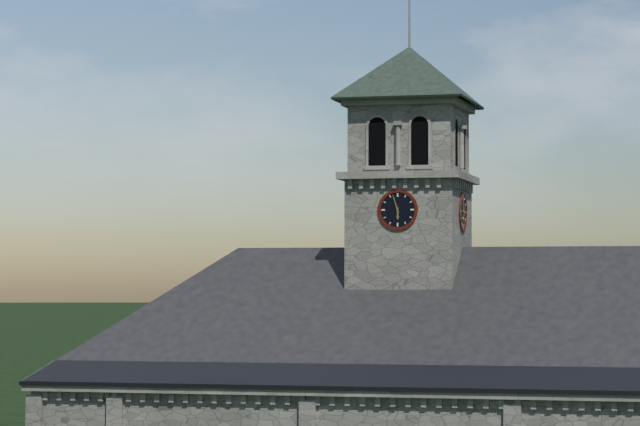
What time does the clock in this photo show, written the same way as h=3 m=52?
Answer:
h=5 m=57
